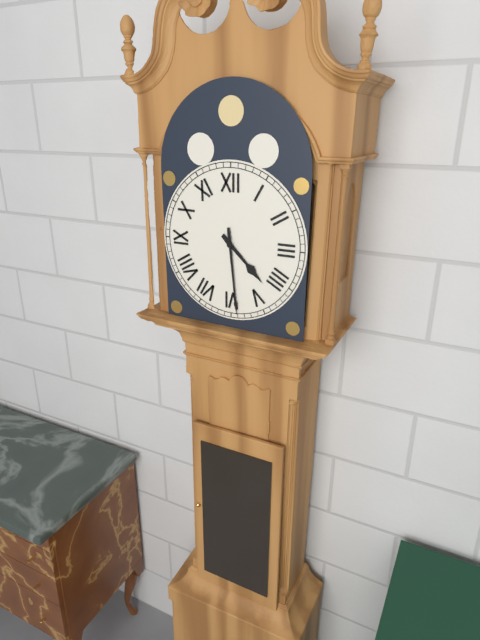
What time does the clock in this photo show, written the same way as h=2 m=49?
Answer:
h=4 m=29
